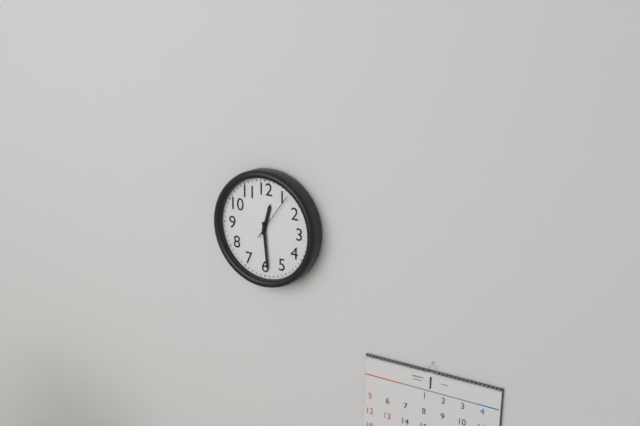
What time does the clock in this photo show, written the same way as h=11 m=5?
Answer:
h=12 m=29
